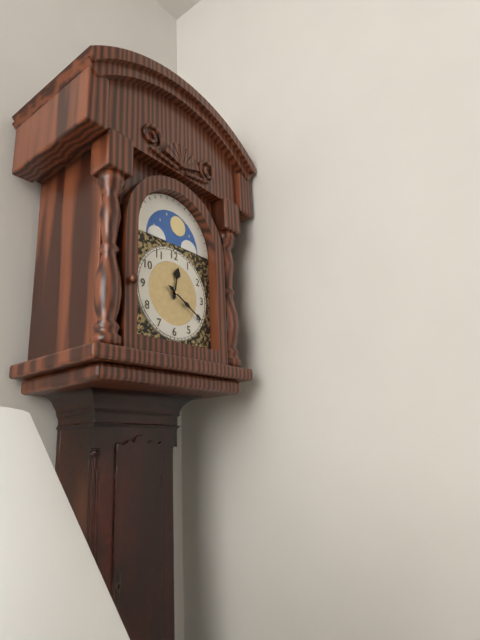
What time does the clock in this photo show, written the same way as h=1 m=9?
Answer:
h=12 m=20
